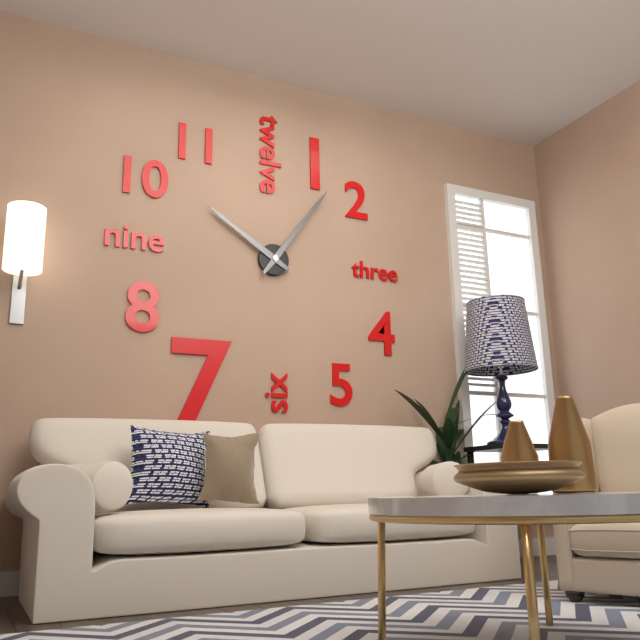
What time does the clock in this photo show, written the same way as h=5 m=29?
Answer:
h=10 m=6
